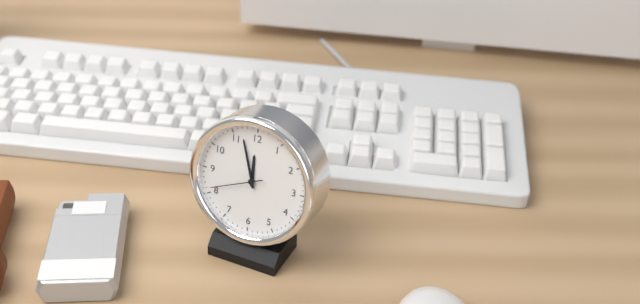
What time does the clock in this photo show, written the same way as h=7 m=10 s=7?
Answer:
h=11 m=57 s=41
